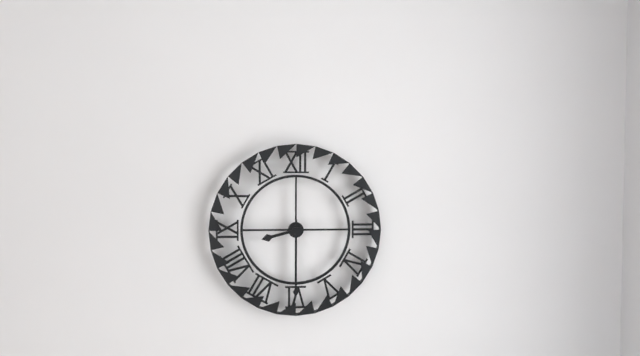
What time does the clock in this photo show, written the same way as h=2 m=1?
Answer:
h=8 m=30
